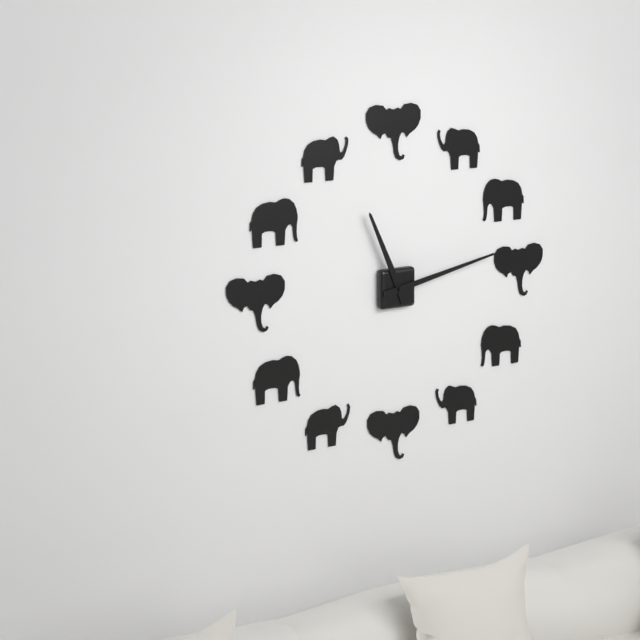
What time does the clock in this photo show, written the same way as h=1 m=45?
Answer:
h=11 m=13
